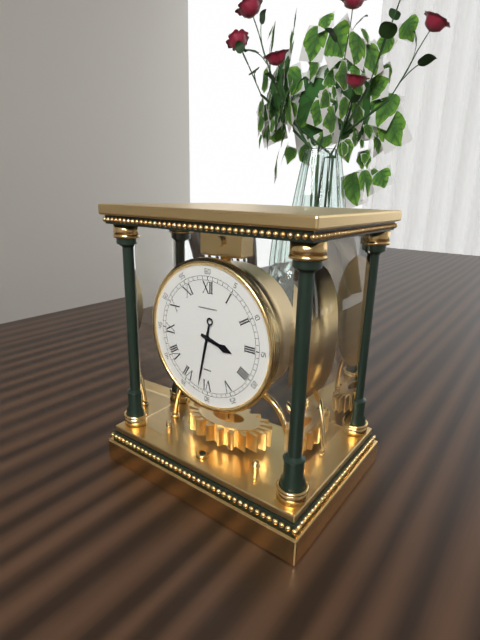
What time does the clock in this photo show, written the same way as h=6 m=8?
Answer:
h=3 m=32
